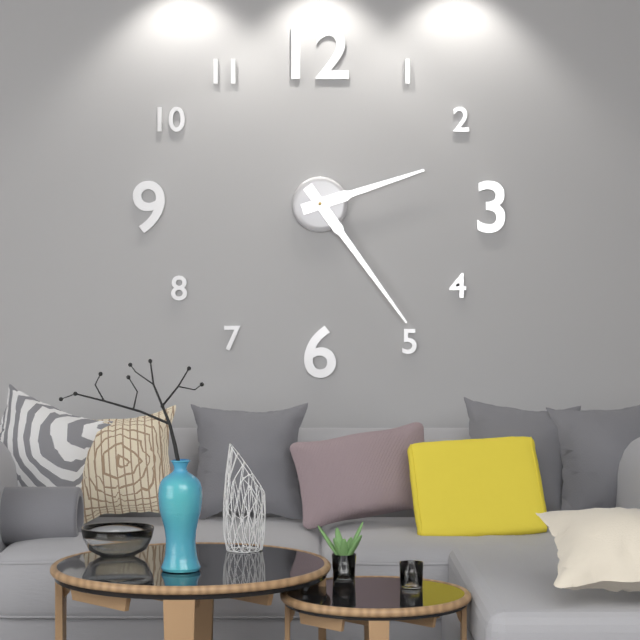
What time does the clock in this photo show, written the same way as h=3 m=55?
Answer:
h=2 m=24
